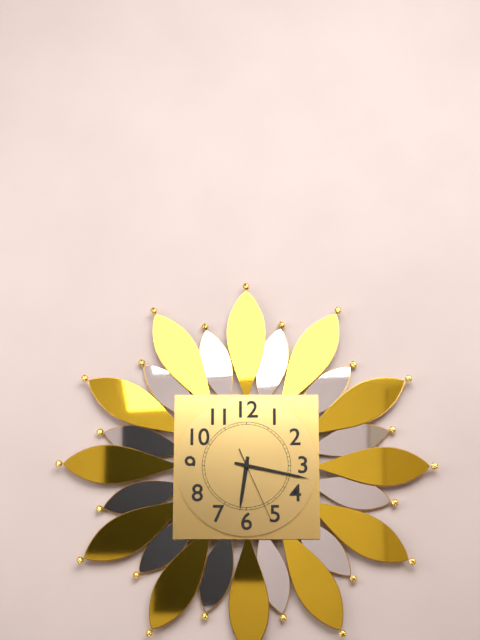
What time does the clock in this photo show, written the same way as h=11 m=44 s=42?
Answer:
h=6 m=17 s=26
